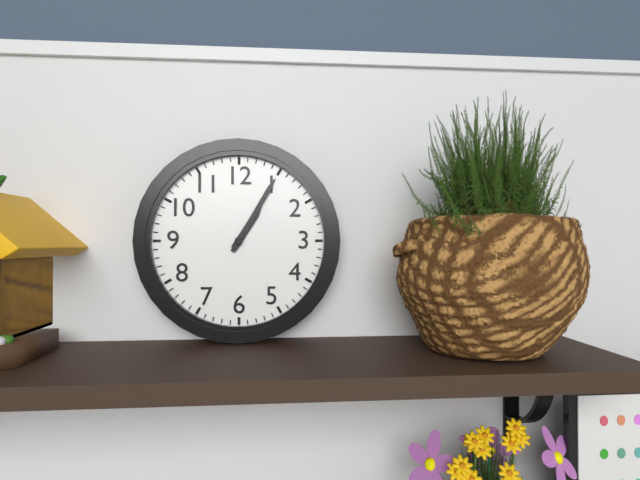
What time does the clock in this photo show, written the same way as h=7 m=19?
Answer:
h=1 m=5
